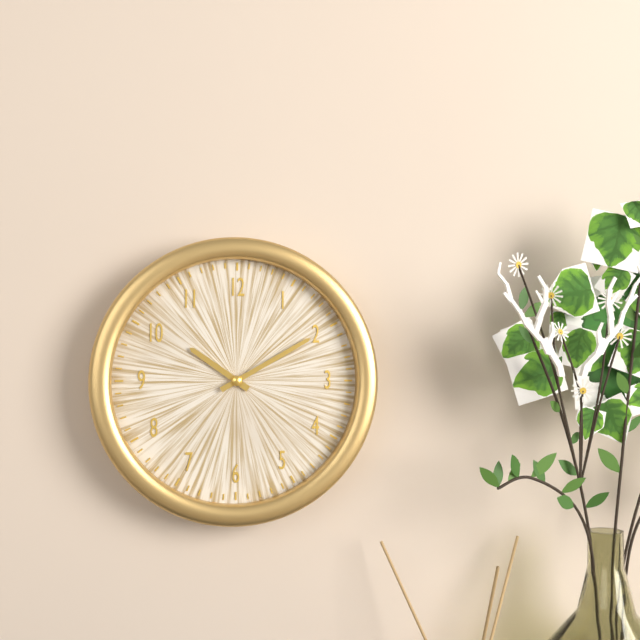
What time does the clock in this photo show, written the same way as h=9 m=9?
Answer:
h=10 m=10
